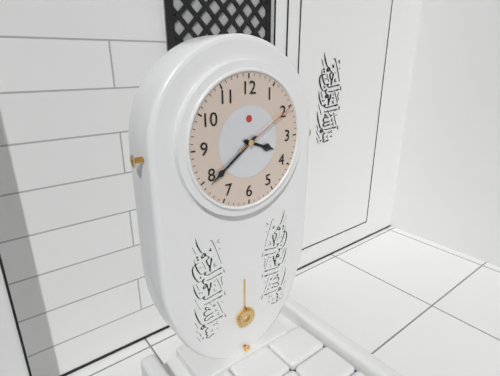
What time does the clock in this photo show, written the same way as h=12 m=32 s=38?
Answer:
h=3 m=39 s=10
